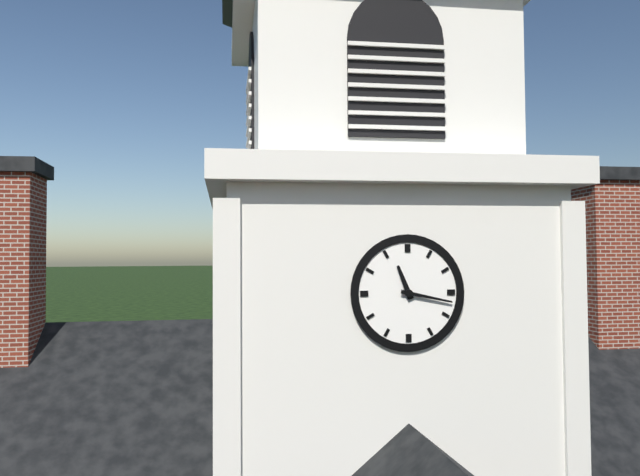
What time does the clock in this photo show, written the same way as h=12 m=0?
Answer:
h=11 m=17
